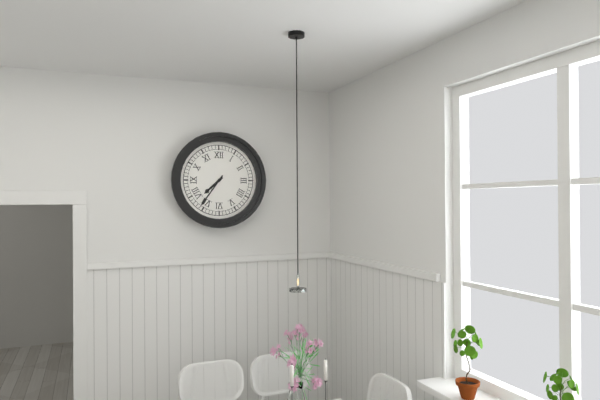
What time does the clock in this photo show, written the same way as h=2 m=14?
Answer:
h=7 m=36
